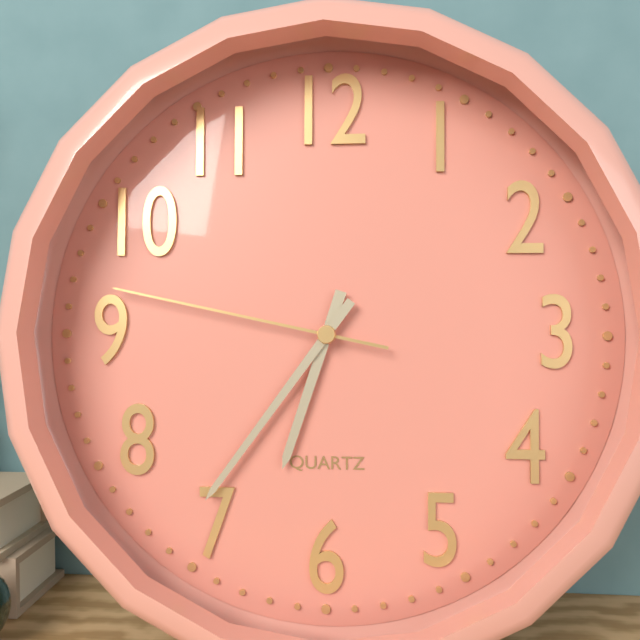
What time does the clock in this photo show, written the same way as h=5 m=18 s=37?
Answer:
h=6 m=36 s=47
